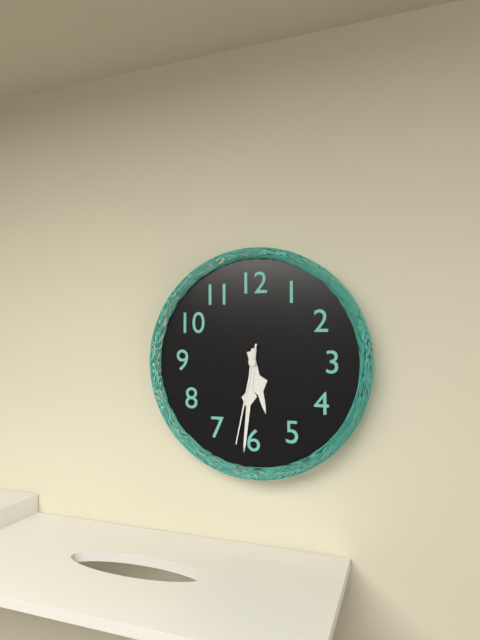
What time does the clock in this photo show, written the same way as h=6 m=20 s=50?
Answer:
h=5 m=31 s=32
